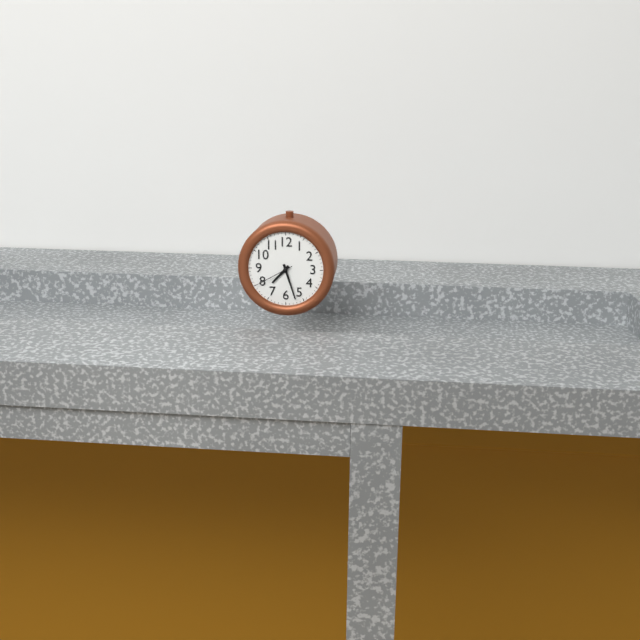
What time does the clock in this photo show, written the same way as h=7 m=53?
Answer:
h=7 m=27
